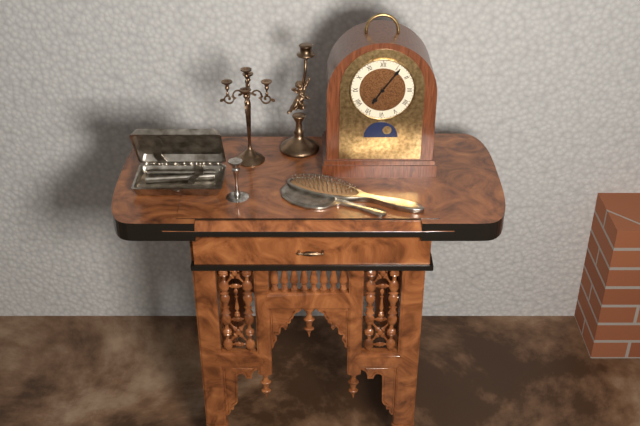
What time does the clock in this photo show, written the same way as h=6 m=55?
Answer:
h=7 m=6
